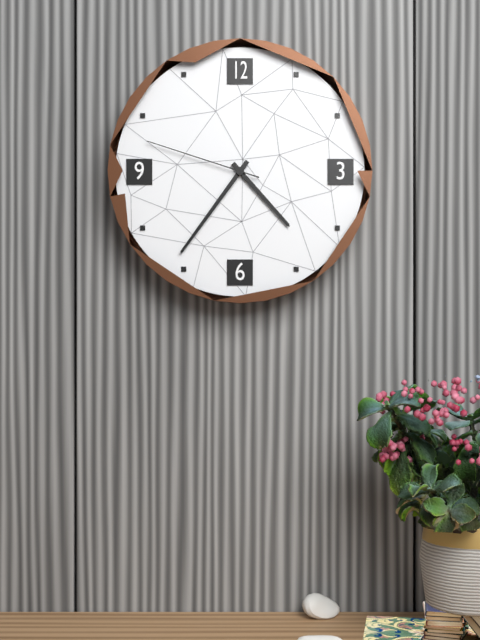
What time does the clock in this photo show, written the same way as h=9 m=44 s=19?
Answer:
h=4 m=36 s=48
